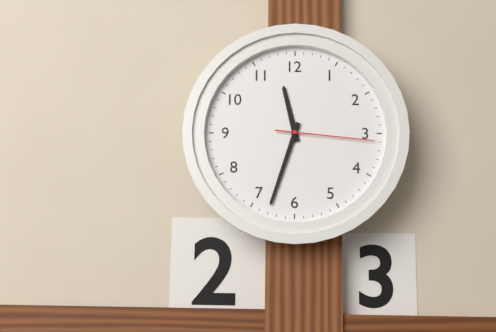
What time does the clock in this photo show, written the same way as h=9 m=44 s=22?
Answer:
h=11 m=33 s=16
